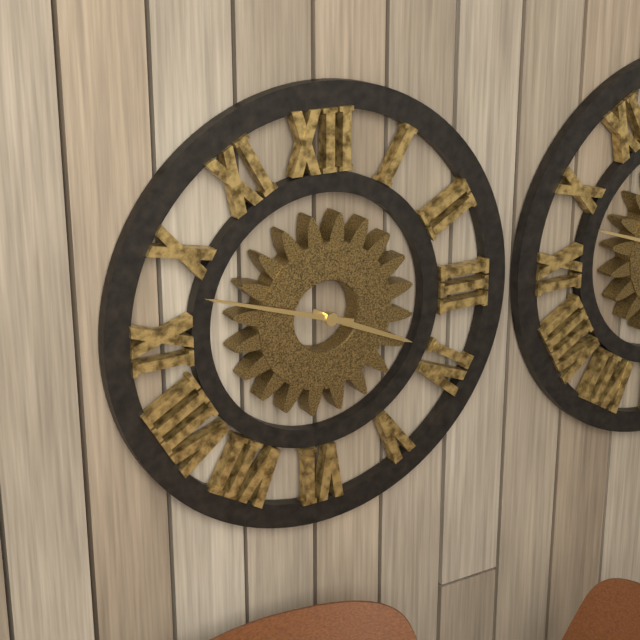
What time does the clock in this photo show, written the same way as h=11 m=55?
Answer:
h=3 m=48
